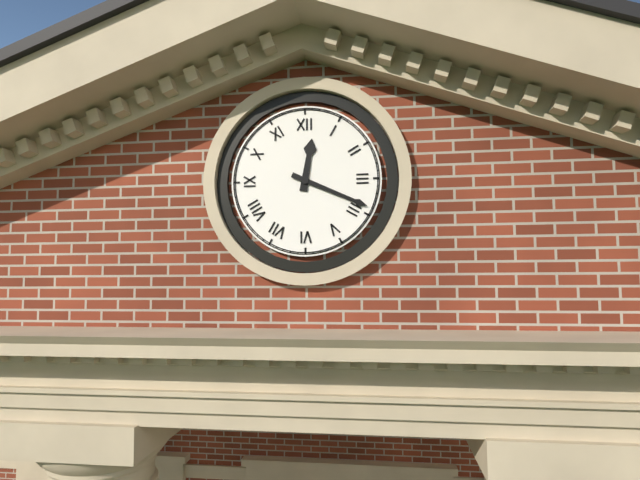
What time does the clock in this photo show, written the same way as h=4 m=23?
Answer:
h=12 m=19
